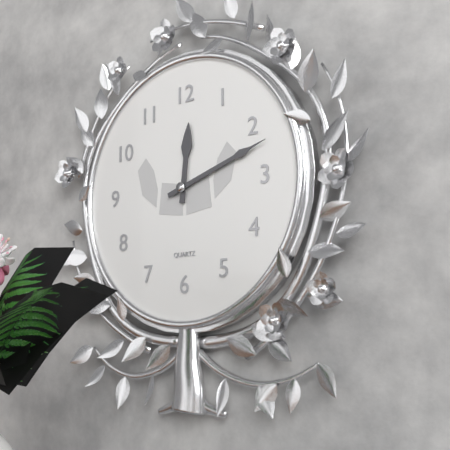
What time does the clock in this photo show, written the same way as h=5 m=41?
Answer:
h=12 m=12
